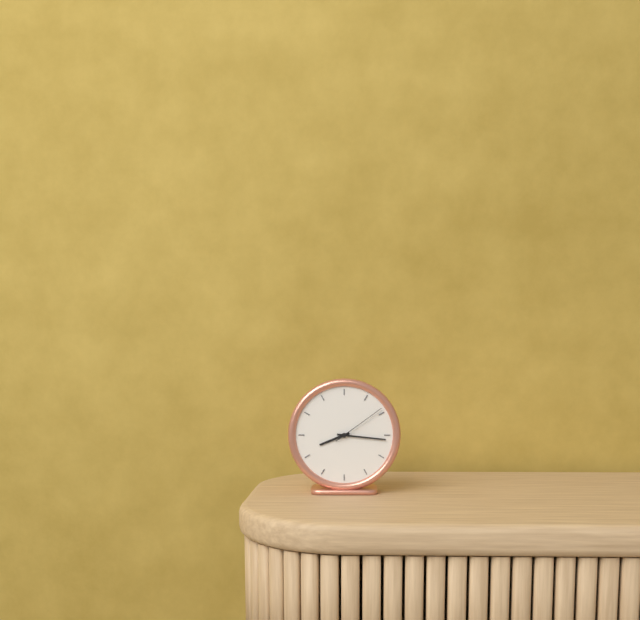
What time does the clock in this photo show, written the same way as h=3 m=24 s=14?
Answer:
h=8 m=16 s=9
